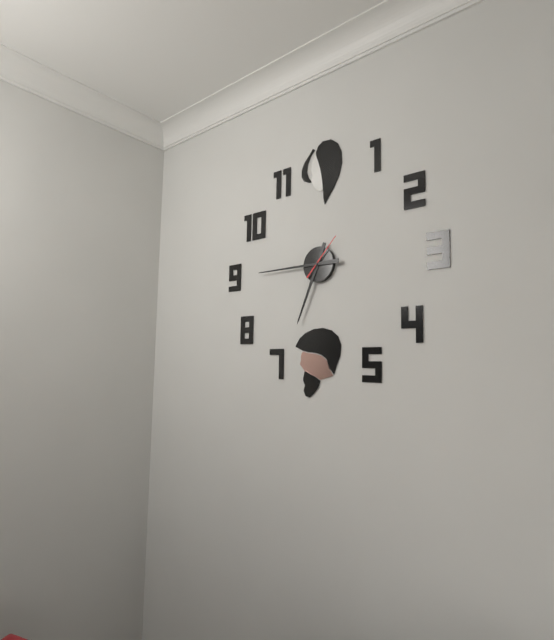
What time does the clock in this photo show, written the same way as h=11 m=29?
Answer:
h=6 m=45
